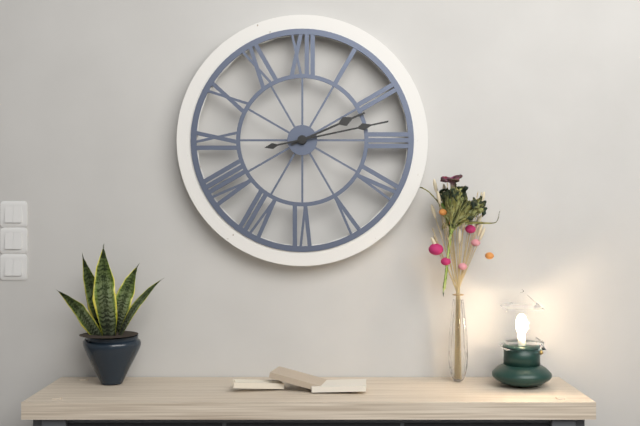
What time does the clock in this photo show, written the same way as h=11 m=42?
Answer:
h=2 m=13
